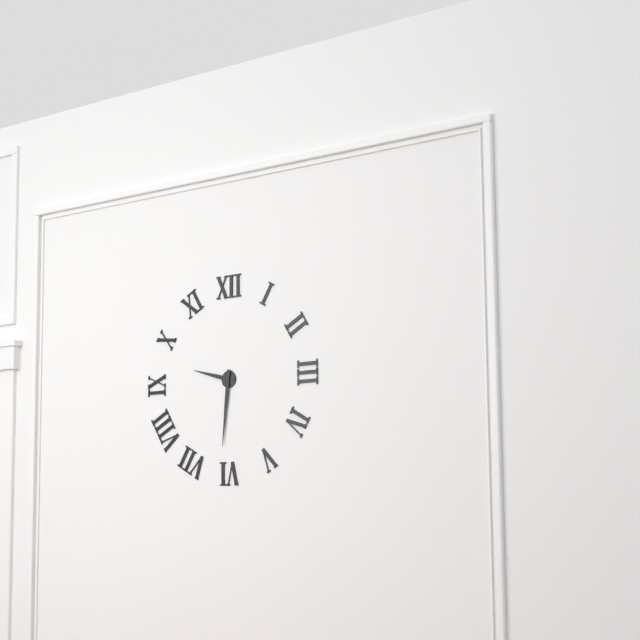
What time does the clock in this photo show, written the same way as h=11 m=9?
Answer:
h=9 m=31
